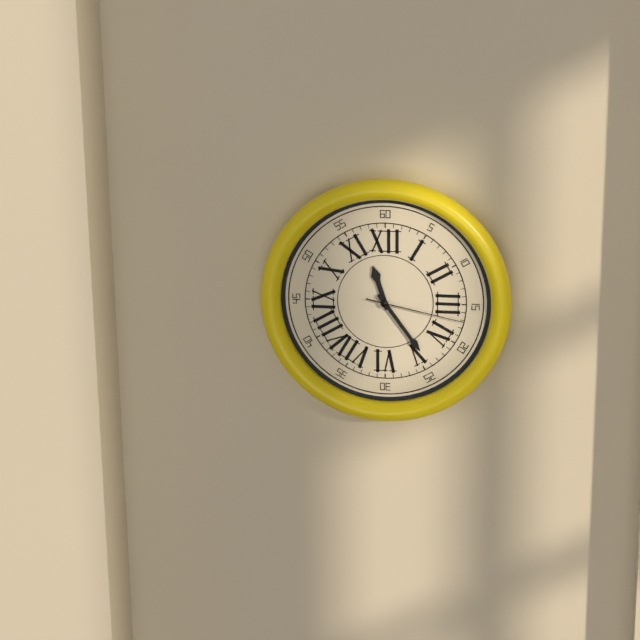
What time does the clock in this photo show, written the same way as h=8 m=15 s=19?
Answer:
h=11 m=24 s=17
